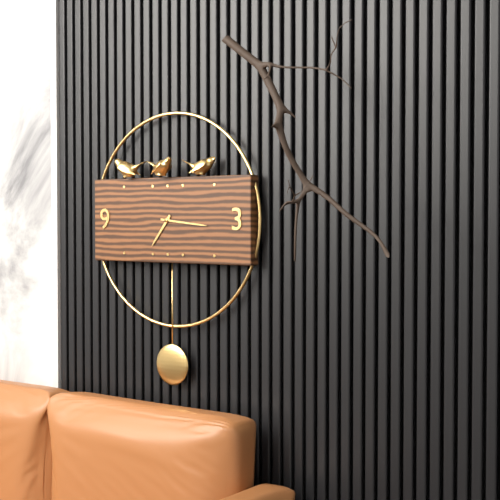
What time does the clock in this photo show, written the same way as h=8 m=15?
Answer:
h=7 m=16
